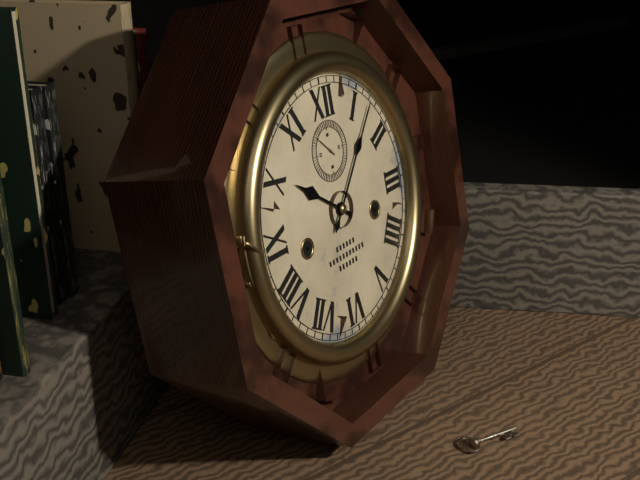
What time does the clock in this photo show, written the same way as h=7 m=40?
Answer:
h=10 m=7
